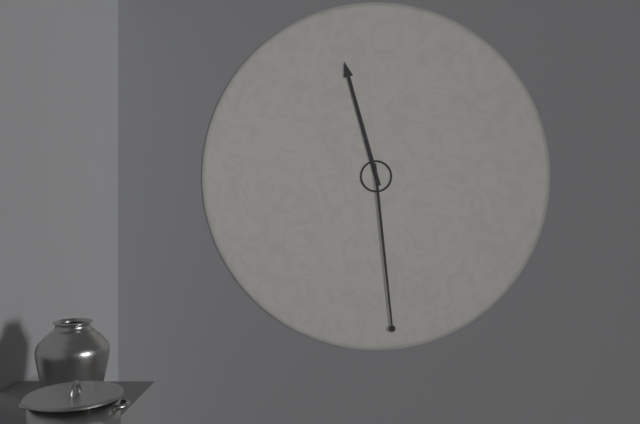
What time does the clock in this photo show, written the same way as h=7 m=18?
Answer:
h=11 m=29
